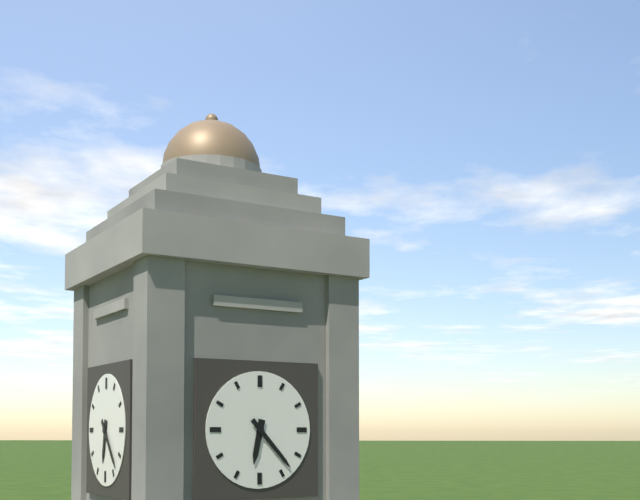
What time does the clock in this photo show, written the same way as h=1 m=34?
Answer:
h=6 m=23
